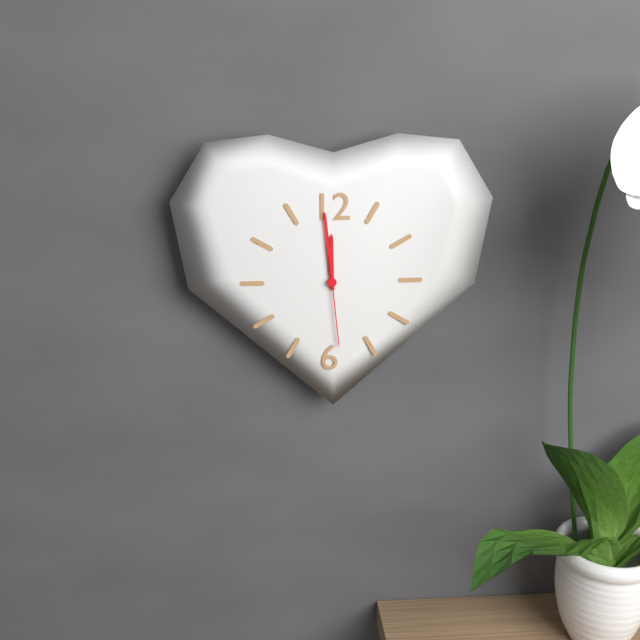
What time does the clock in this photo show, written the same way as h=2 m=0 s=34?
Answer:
h=11 m=59 s=29
